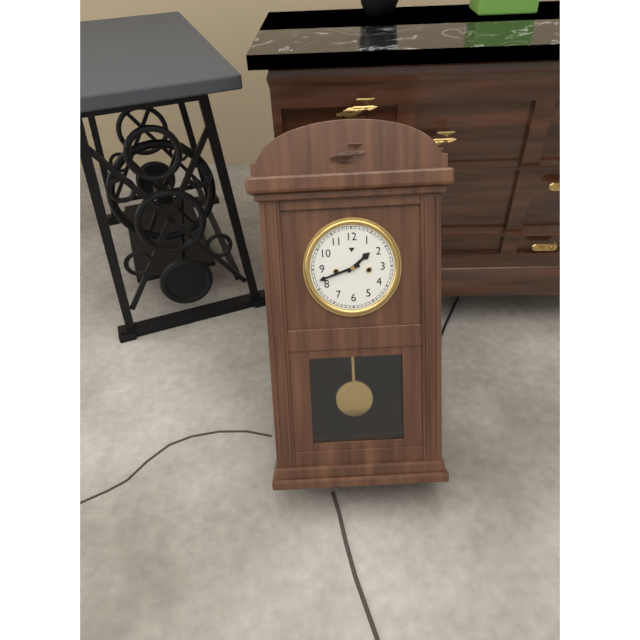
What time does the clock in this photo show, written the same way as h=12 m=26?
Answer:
h=1 m=42
